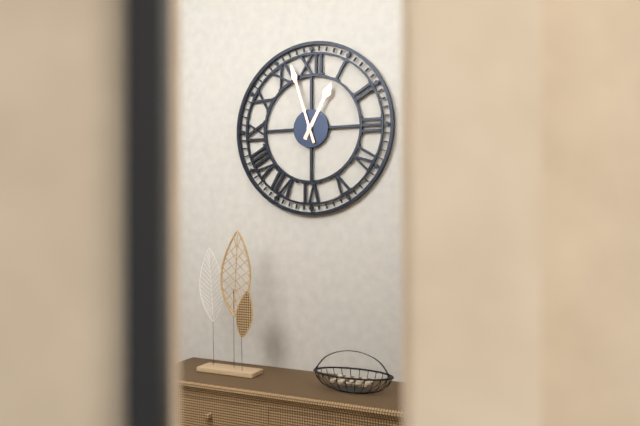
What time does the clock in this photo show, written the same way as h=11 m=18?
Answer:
h=12 m=57
